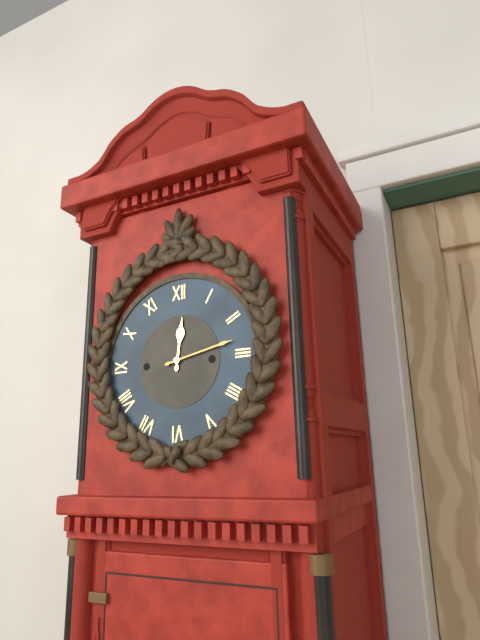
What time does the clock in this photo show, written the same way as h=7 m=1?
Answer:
h=12 m=13
